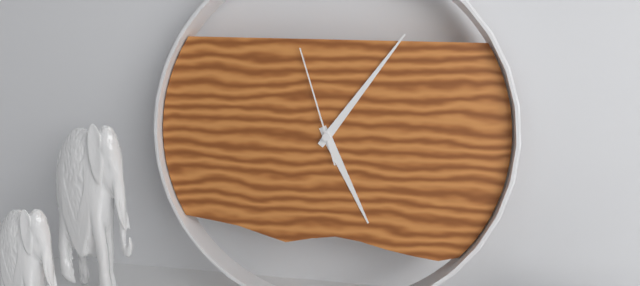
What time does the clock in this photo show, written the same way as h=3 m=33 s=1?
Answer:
h=5 m=6 s=57
